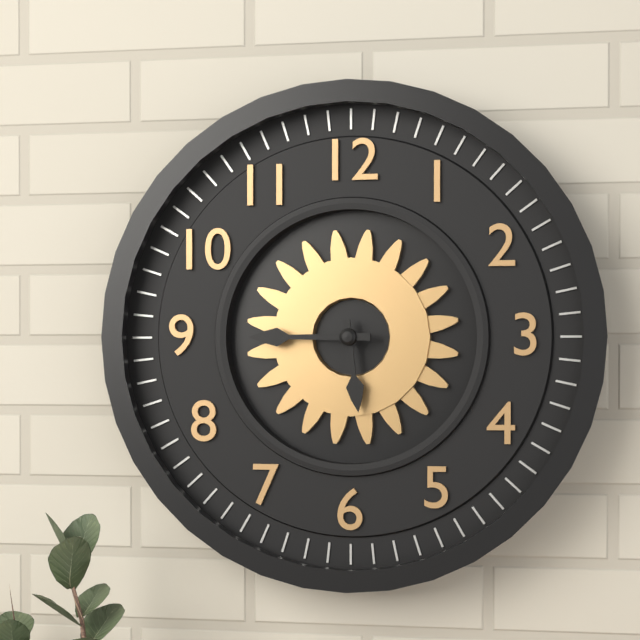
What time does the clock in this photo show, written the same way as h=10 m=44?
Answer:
h=5 m=45
